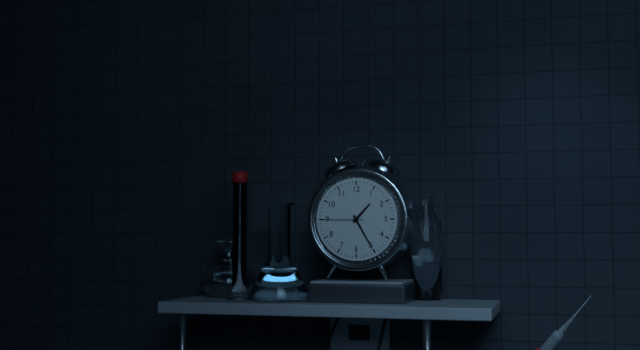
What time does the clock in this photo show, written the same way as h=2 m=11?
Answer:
h=1 m=25
